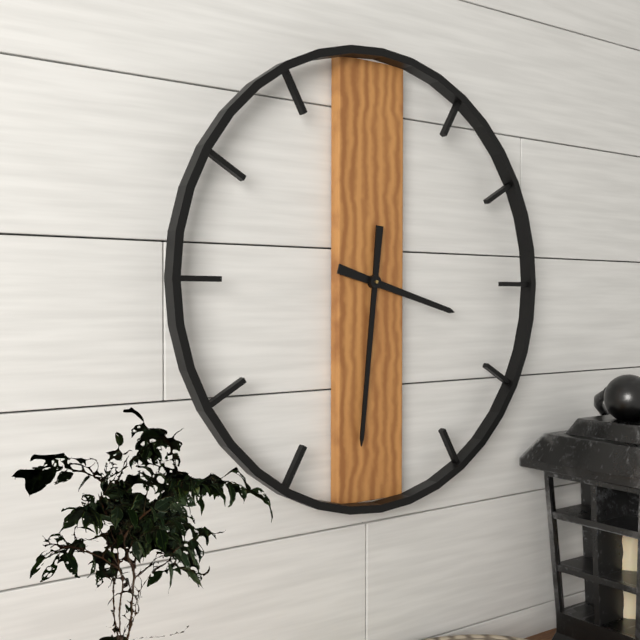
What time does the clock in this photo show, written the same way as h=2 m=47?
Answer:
h=3 m=31
